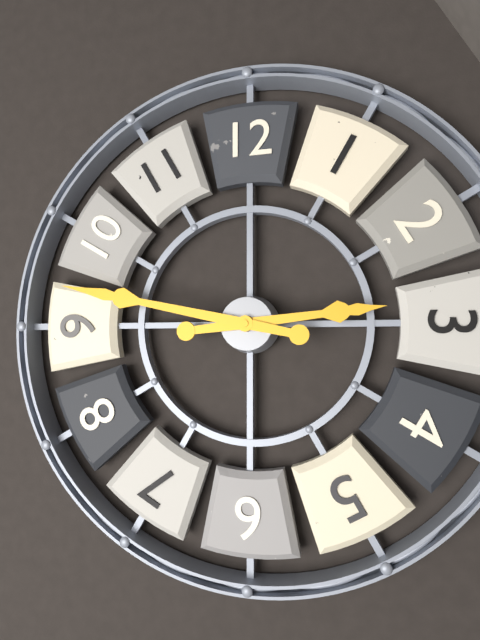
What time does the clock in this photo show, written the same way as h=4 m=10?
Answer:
h=2 m=47
